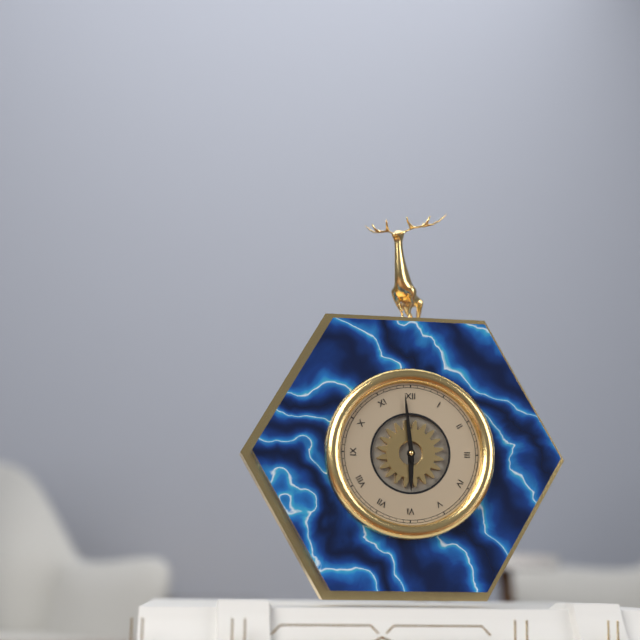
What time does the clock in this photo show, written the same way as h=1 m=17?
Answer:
h=5 m=59
